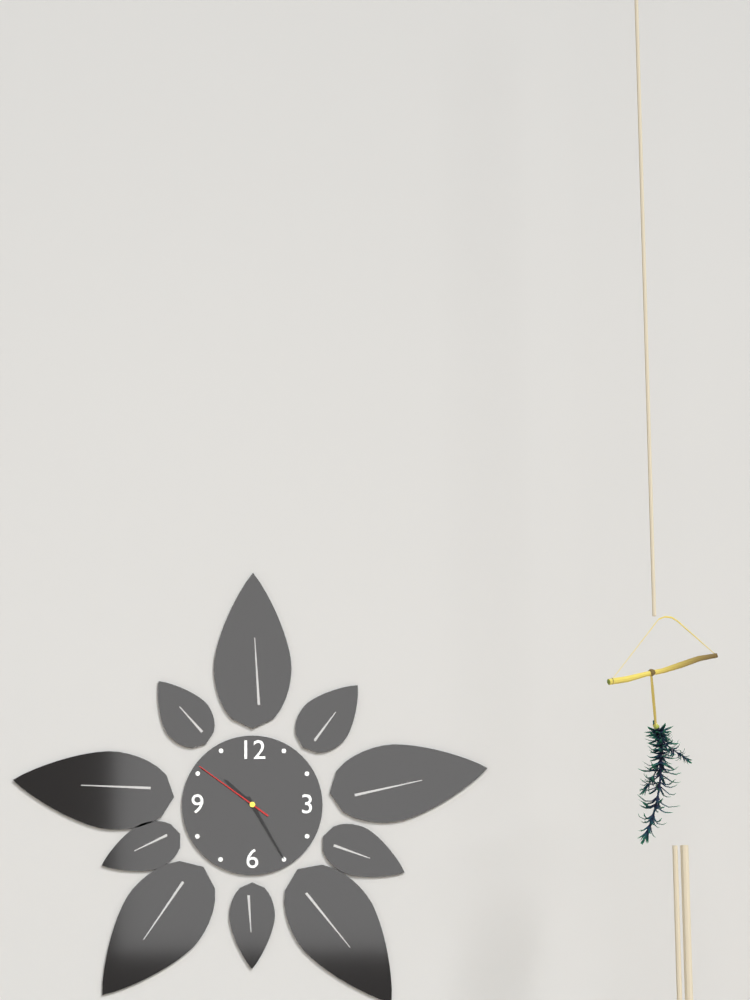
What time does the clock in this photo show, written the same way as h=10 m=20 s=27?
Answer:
h=10 m=25 s=51
